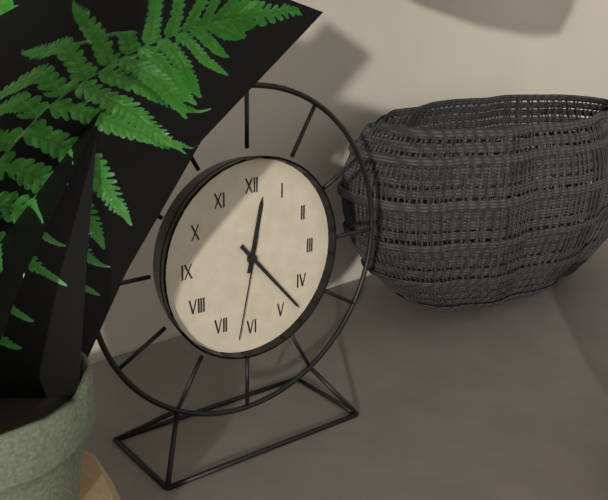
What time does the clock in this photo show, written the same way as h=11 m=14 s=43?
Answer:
h=12 m=23 s=32
